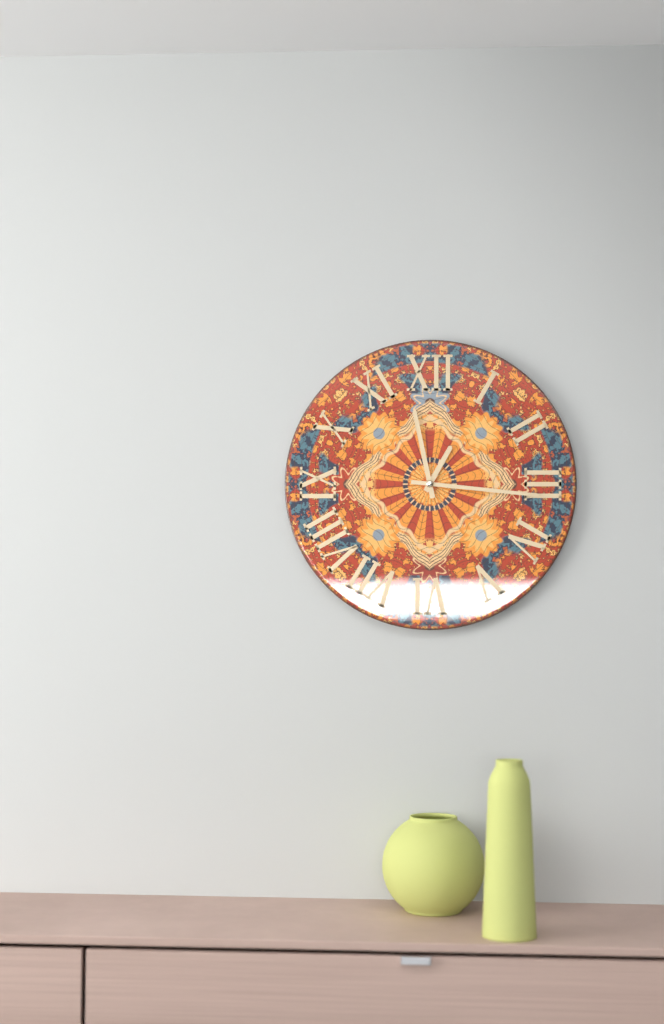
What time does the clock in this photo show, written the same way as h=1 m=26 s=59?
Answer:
h=12 m=58 s=16
